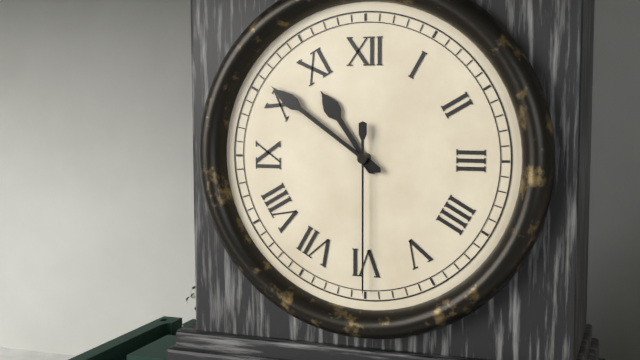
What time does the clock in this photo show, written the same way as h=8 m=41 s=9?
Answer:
h=10 m=51 s=30
